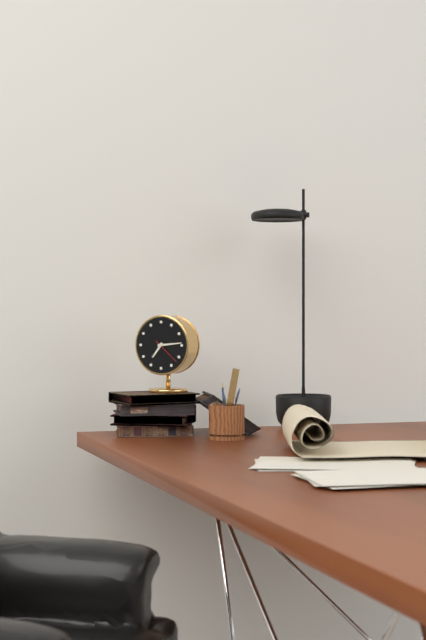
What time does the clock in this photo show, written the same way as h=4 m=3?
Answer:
h=7 m=14
